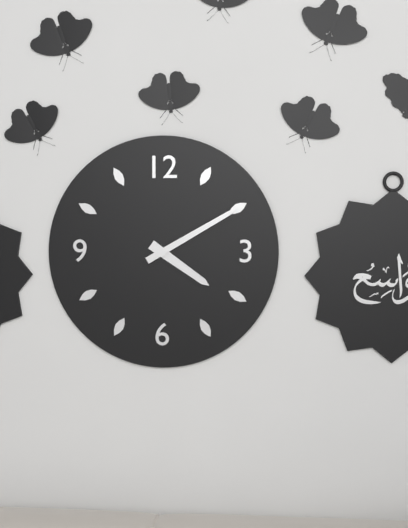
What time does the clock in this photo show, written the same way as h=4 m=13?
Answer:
h=4 m=10
